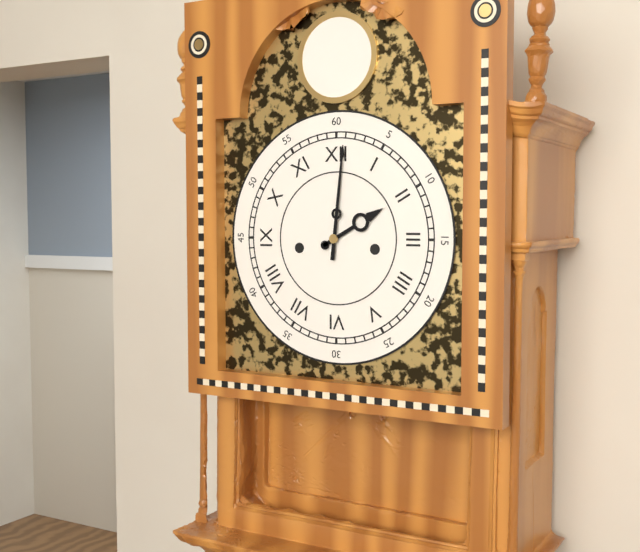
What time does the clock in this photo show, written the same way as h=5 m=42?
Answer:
h=2 m=1
